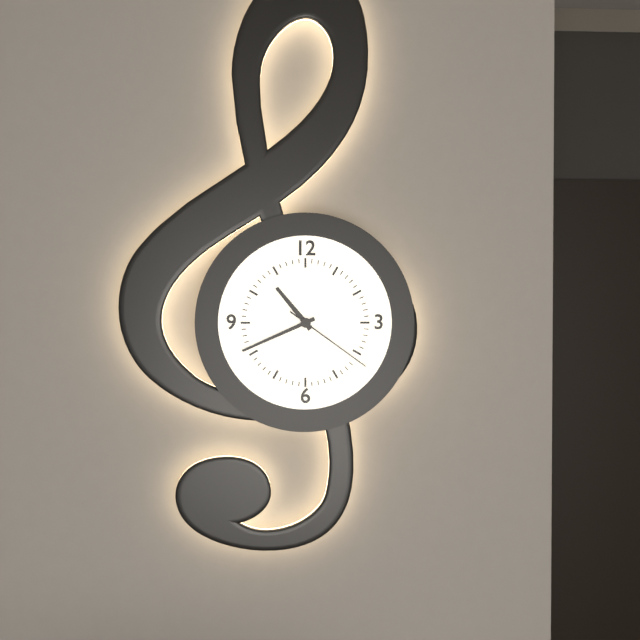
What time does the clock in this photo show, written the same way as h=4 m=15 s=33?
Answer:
h=10 m=41 s=21
